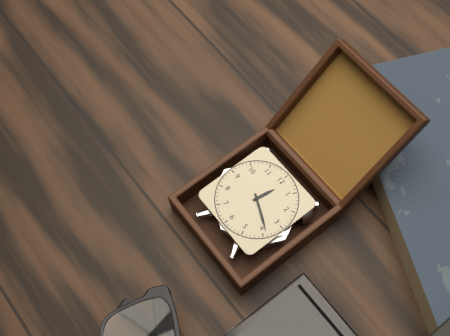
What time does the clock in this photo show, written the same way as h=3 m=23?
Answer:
h=12 m=19
